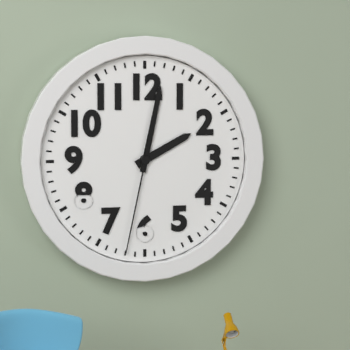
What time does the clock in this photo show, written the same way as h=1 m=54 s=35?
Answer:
h=2 m=2 s=32
